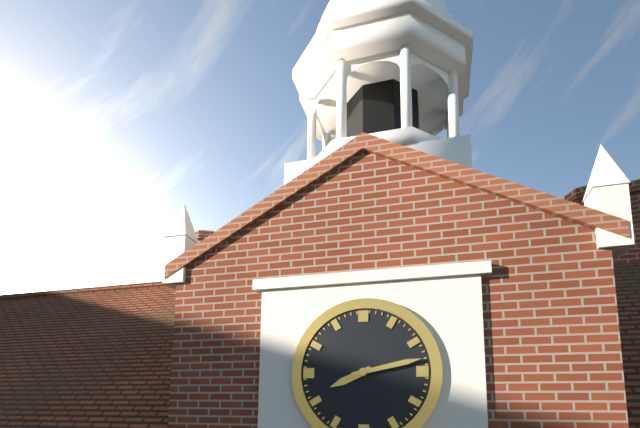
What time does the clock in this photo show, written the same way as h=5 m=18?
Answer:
h=8 m=13
